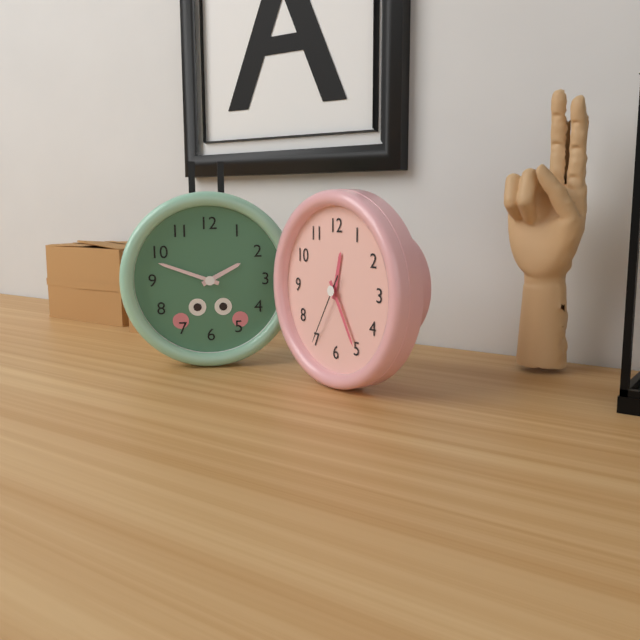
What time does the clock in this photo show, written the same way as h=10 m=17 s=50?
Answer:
h=12 m=25 s=35
